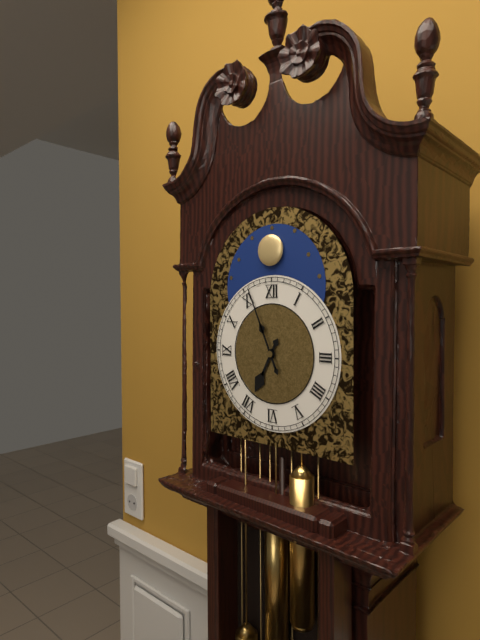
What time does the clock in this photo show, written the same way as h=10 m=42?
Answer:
h=6 m=56
